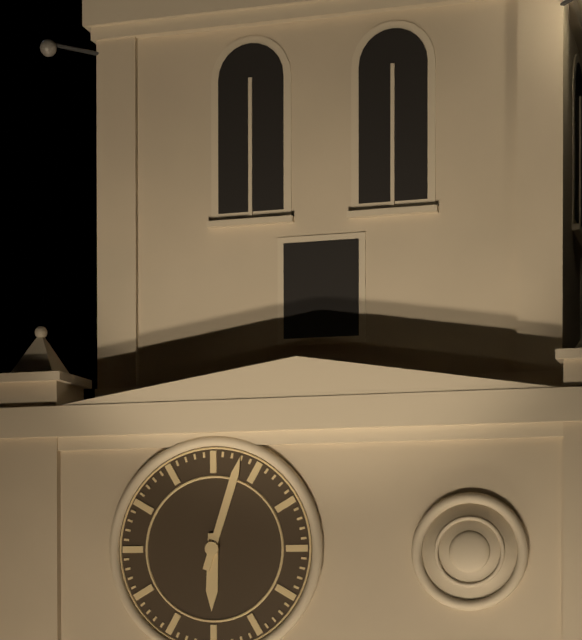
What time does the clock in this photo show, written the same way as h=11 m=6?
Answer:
h=6 m=3
